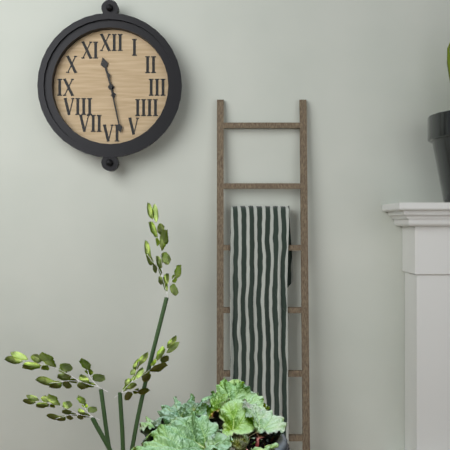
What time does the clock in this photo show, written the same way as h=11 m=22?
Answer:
h=11 m=28
